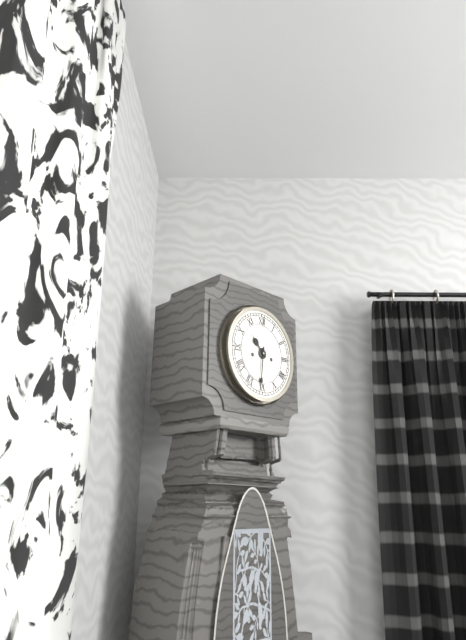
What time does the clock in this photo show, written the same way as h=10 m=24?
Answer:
h=10 m=31
